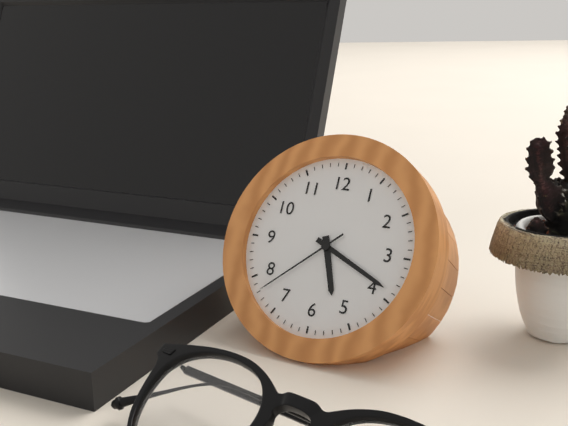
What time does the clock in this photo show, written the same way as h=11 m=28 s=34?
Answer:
h=5 m=19 s=38
